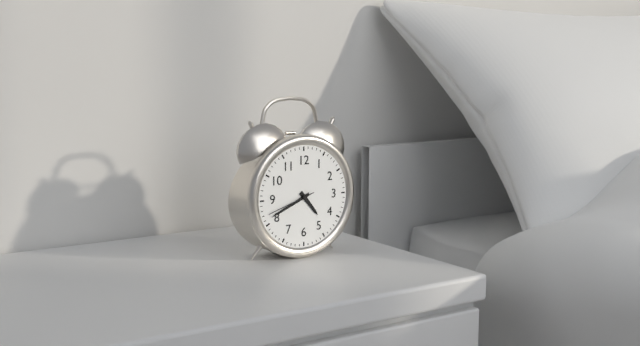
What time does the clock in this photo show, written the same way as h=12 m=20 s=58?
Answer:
h=4 m=41 s=42
